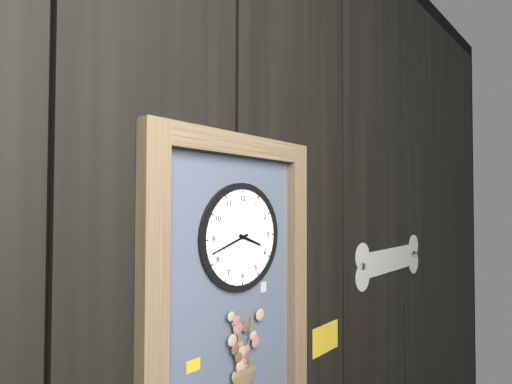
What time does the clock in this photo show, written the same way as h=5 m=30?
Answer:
h=3 m=42
